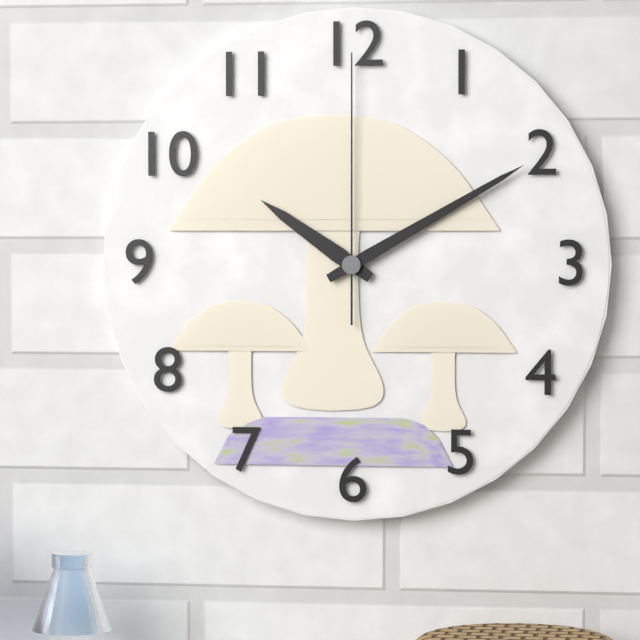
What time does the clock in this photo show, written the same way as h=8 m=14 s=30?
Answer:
h=10 m=10 s=0
